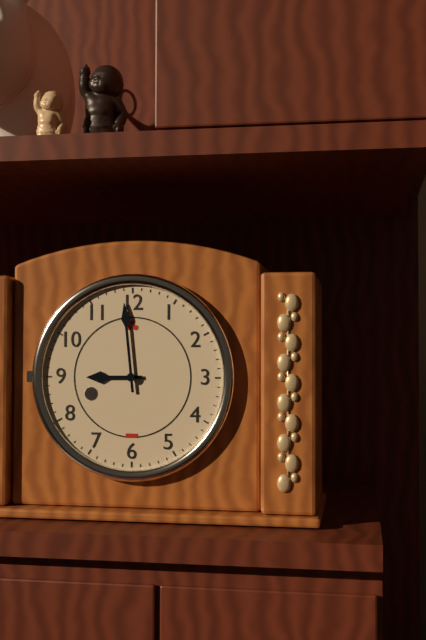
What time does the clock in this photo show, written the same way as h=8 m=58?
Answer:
h=8 m=59
